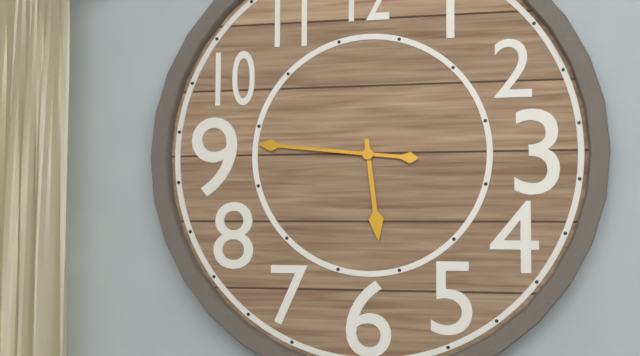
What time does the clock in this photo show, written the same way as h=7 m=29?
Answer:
h=5 m=46
